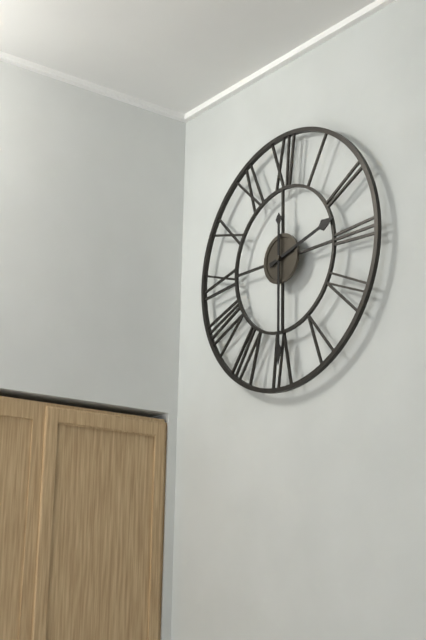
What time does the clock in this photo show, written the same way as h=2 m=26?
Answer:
h=2 m=30
